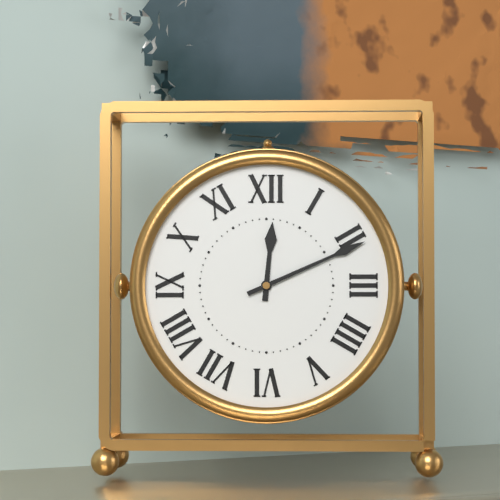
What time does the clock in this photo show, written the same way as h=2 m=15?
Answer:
h=12 m=11
